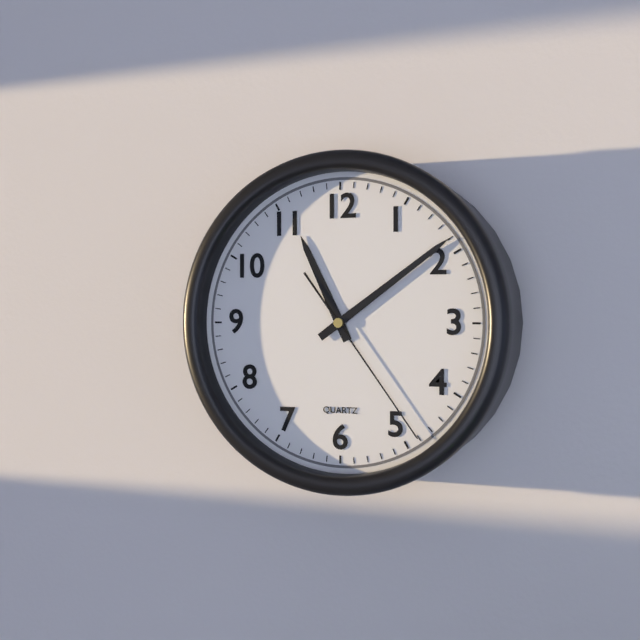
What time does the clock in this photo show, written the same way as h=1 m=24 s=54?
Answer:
h=11 m=9 s=24
